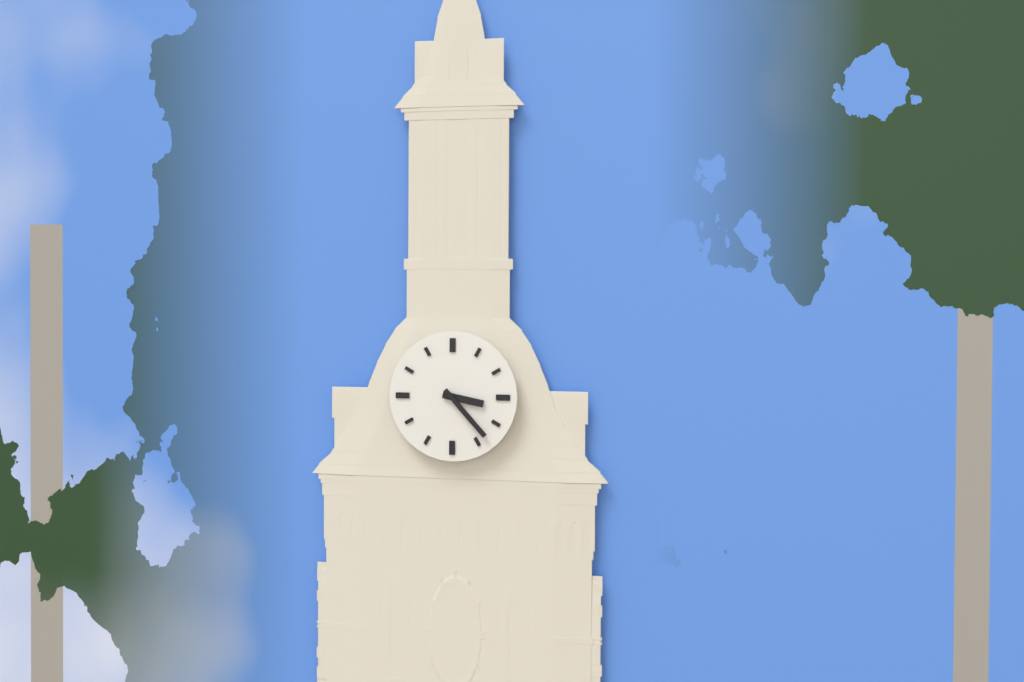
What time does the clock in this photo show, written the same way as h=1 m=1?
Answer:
h=3 m=23
